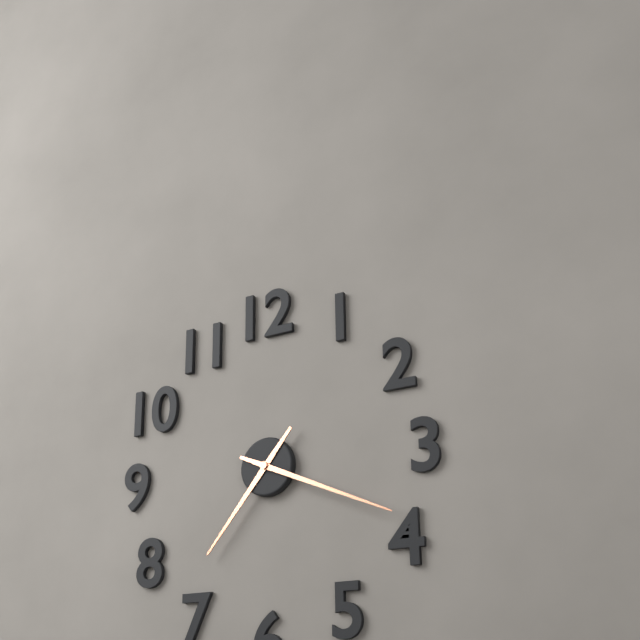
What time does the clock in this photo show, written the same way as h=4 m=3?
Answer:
h=7 m=19
